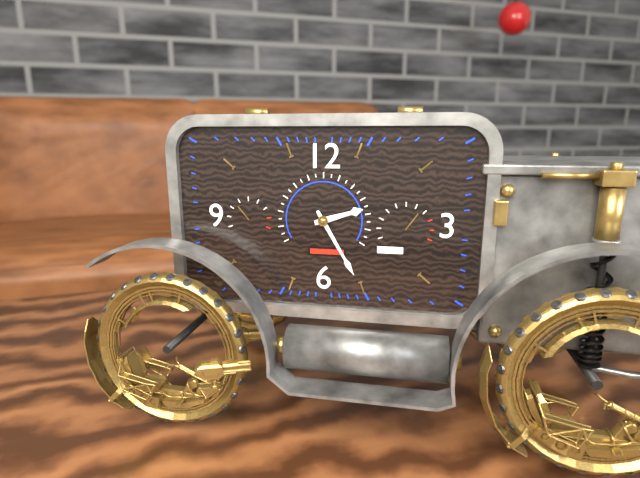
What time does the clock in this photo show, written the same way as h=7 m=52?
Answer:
h=2 m=25
